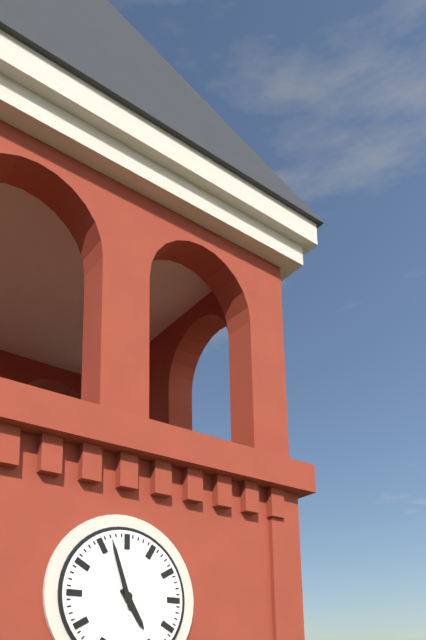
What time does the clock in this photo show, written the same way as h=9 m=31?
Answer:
h=4 m=57
